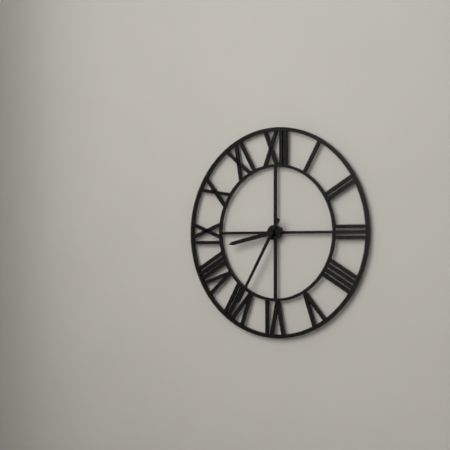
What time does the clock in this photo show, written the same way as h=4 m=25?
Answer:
h=8 m=35
